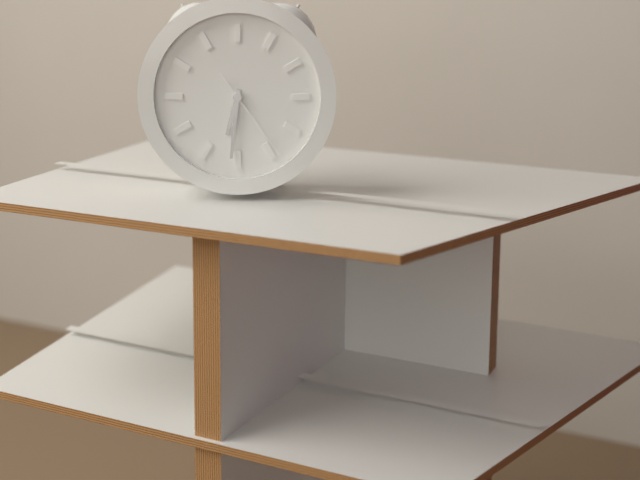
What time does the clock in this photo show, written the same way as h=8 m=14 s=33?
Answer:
h=6 m=31 s=24
